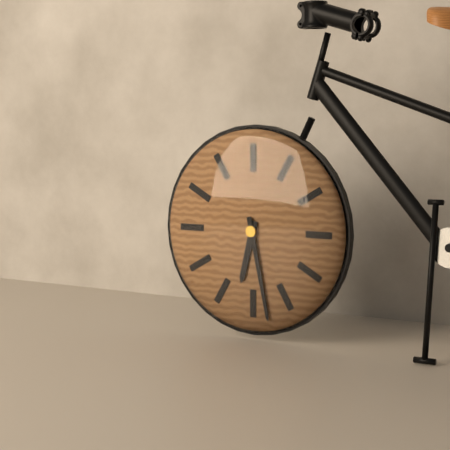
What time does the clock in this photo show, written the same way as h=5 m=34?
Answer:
h=6 m=28
